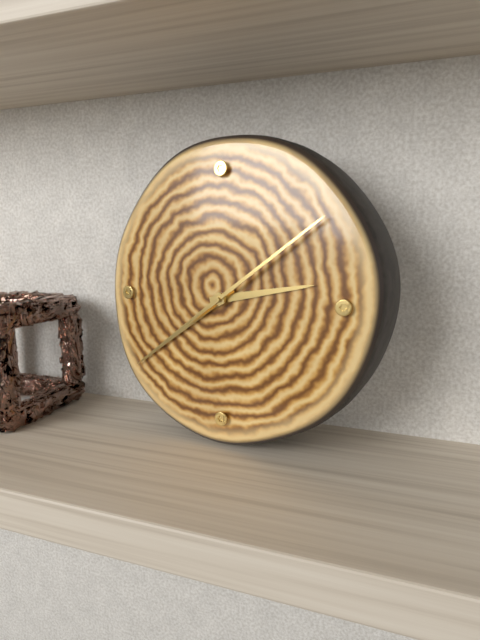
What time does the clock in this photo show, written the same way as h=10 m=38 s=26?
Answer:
h=2 m=39 s=9
